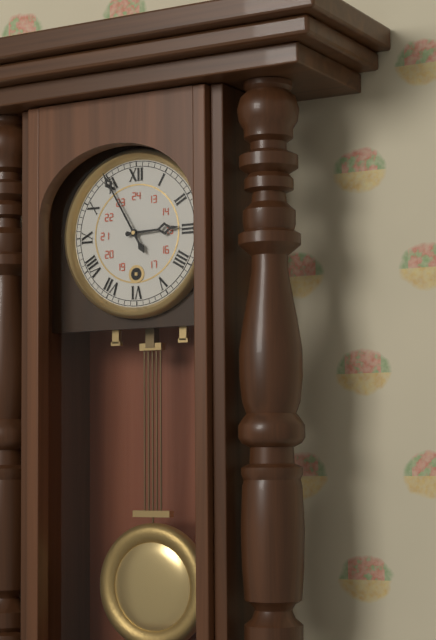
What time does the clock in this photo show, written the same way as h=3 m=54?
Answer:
h=2 m=55
